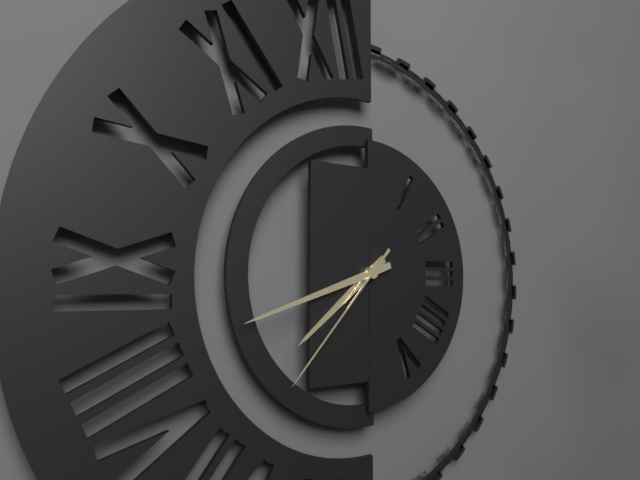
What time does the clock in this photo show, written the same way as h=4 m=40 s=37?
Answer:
h=7 m=42 s=37
